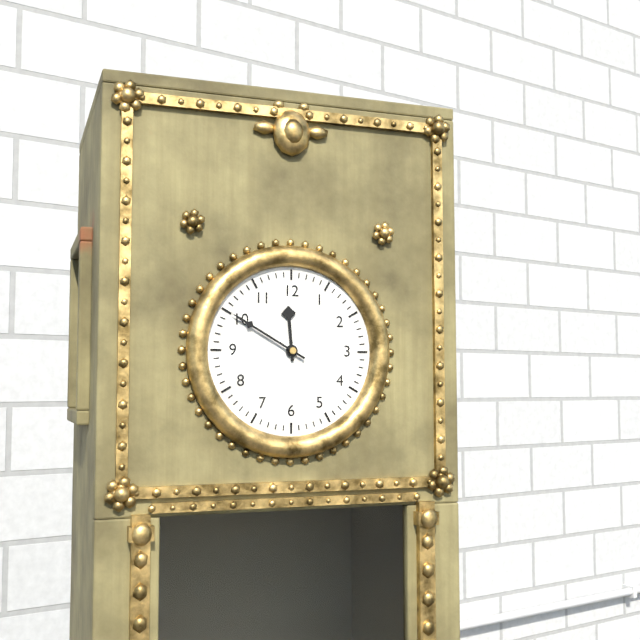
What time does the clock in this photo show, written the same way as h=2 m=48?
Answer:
h=11 m=50
